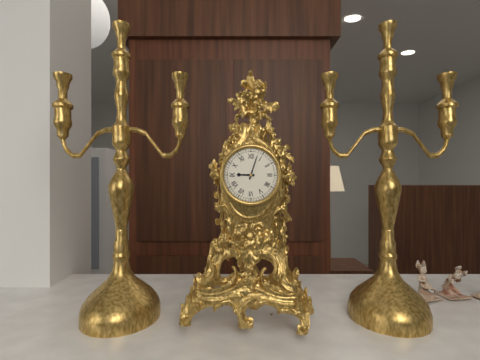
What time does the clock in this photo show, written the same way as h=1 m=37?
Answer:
h=9 m=3
